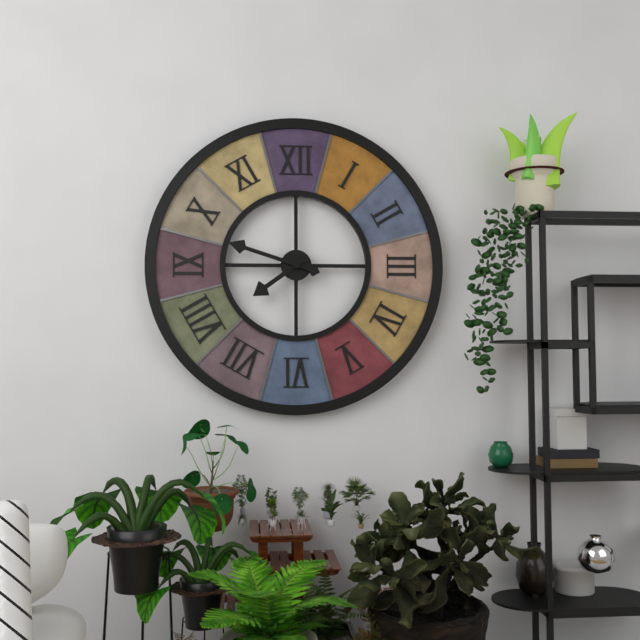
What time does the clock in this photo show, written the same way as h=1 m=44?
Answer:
h=7 m=48
